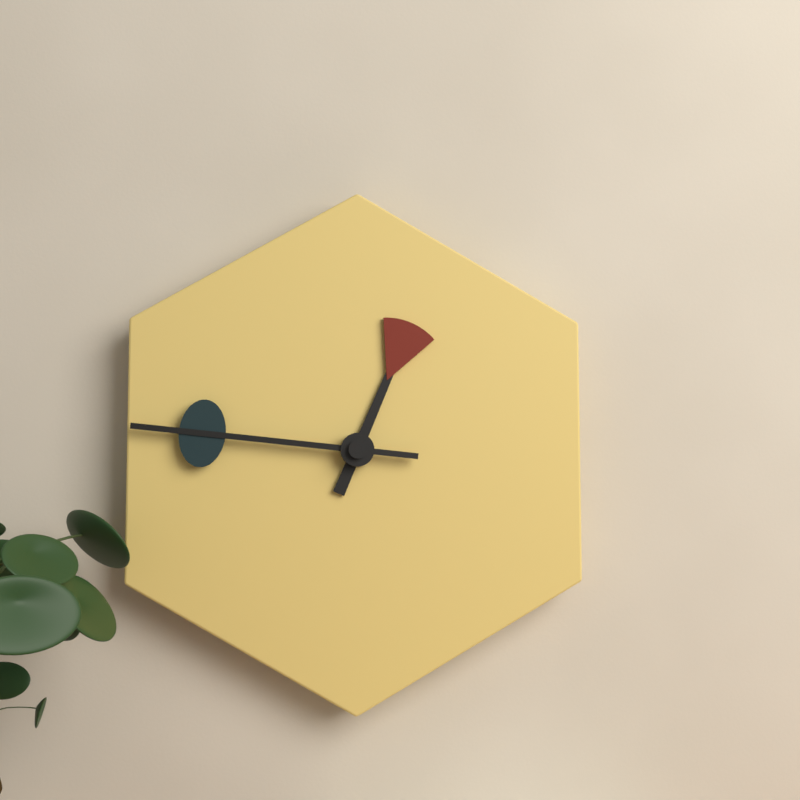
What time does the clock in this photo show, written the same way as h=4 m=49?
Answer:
h=12 m=46
